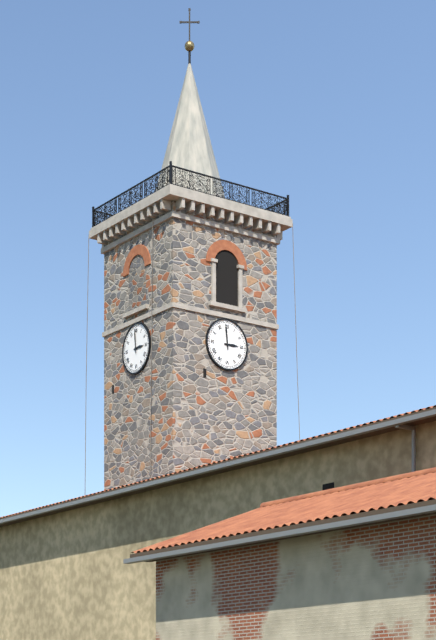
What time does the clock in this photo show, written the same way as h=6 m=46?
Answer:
h=2 m=59
